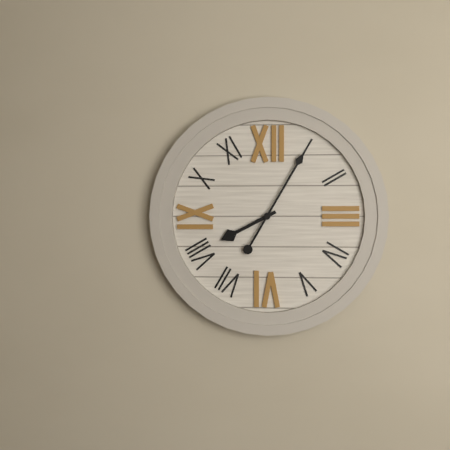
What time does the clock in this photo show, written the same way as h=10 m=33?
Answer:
h=8 m=5
